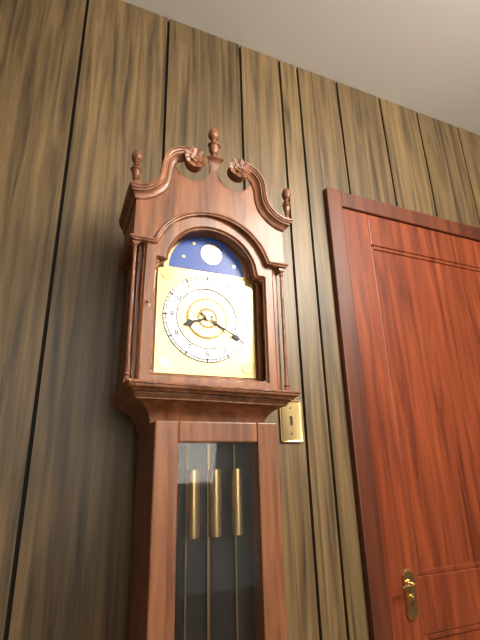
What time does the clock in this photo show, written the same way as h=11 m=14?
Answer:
h=8 m=20
